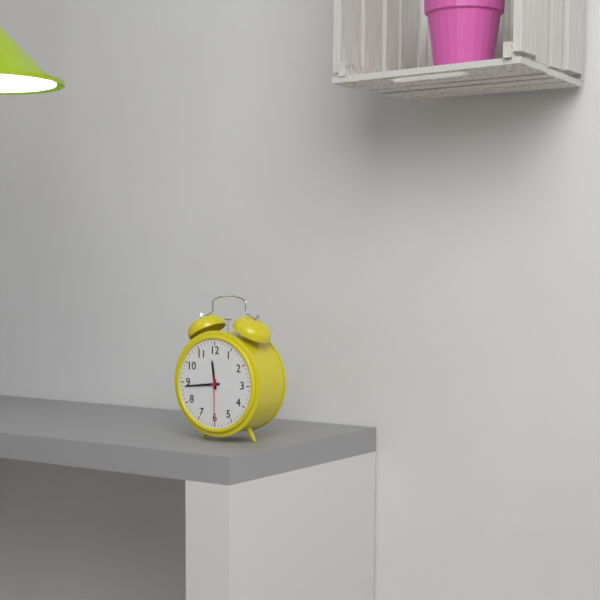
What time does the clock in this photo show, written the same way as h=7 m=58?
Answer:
h=11 m=44
